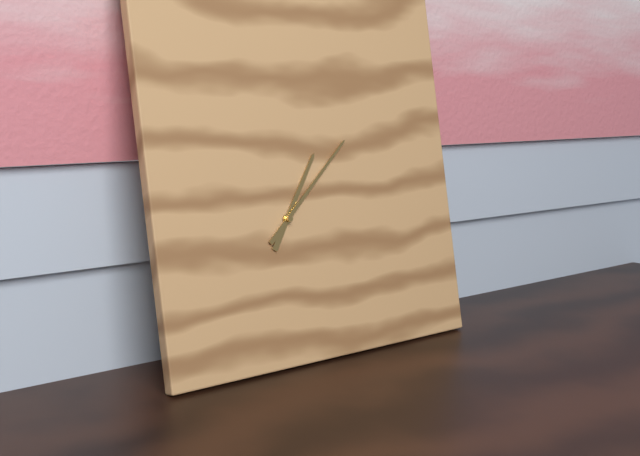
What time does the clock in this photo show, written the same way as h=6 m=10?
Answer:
h=1 m=8
